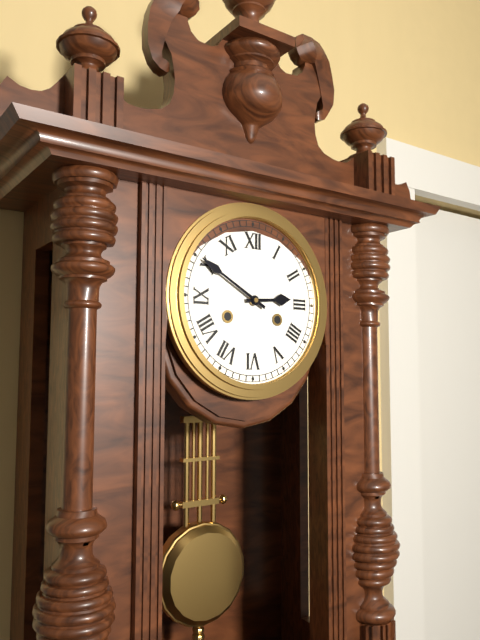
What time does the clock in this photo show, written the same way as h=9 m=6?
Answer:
h=2 m=50
